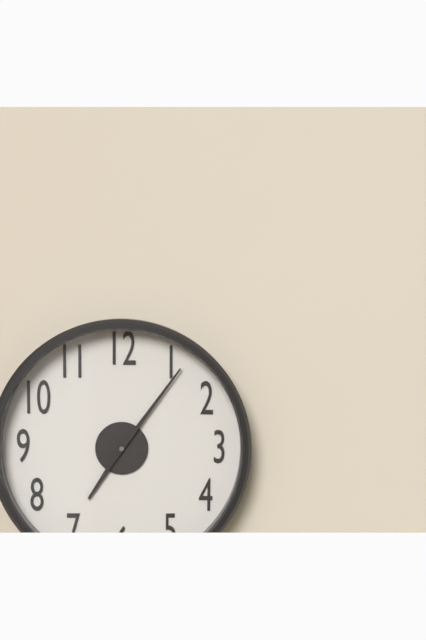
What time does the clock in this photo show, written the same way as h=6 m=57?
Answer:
h=7 m=6
